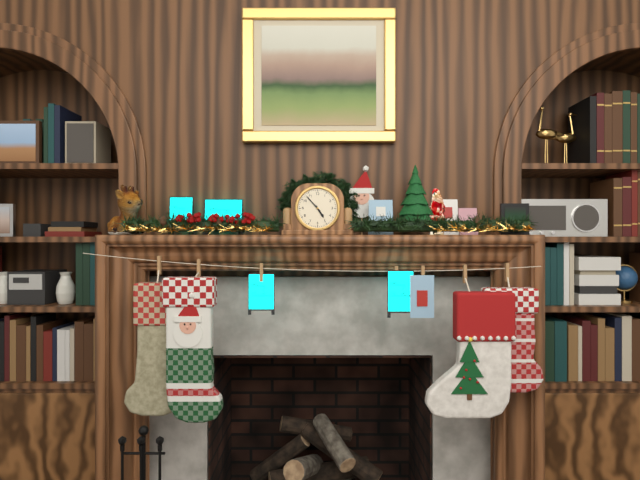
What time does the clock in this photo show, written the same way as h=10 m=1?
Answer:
h=4 m=53
